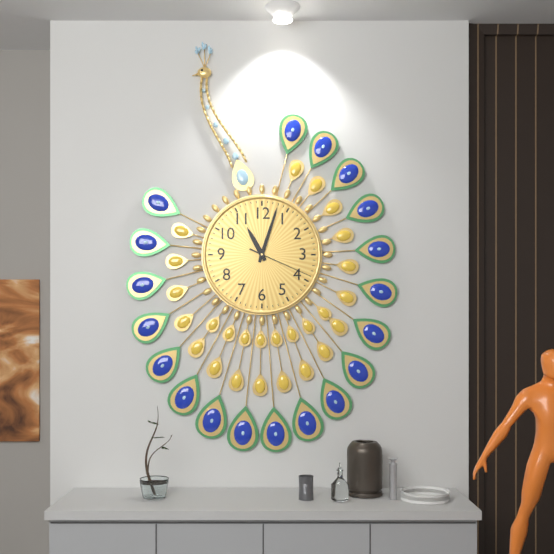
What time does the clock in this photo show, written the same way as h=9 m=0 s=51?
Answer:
h=11 m=3 s=19
